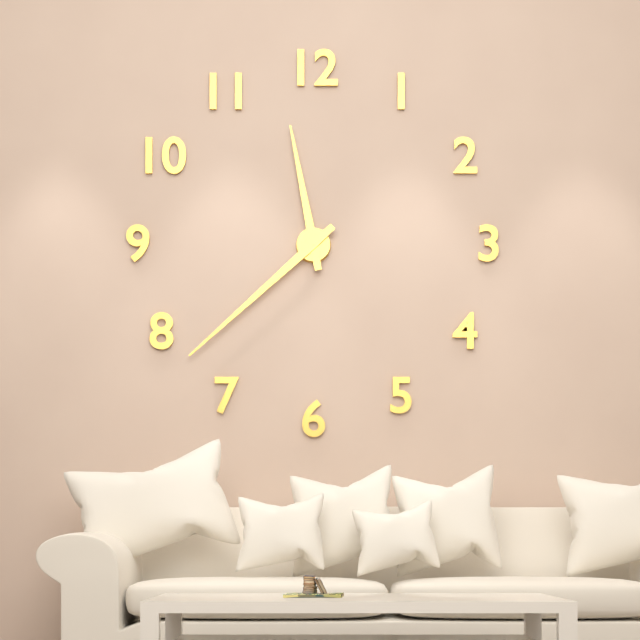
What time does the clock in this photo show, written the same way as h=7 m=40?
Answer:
h=11 m=38
